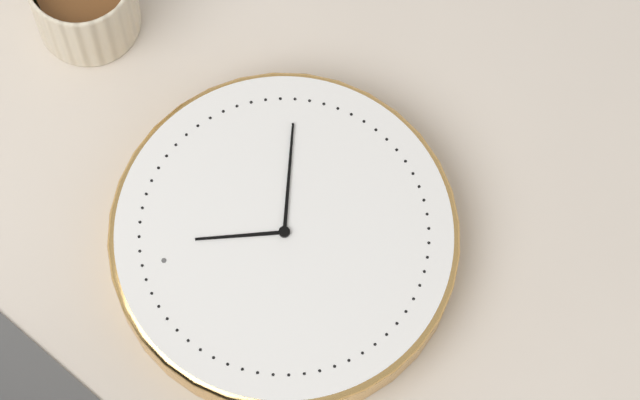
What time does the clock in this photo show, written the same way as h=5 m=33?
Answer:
h=12 m=18
